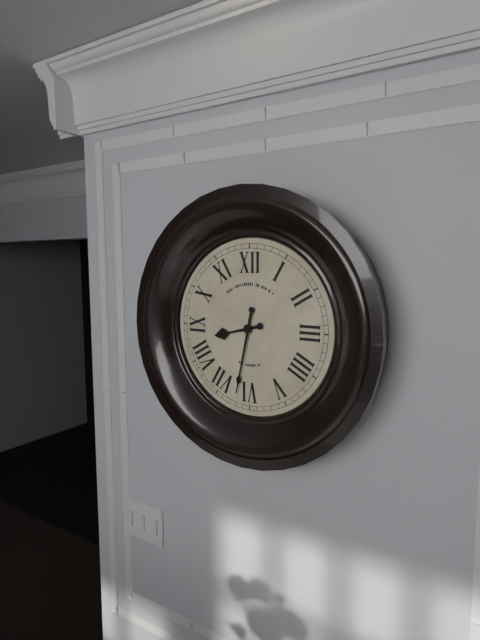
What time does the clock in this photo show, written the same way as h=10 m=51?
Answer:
h=8 m=32
